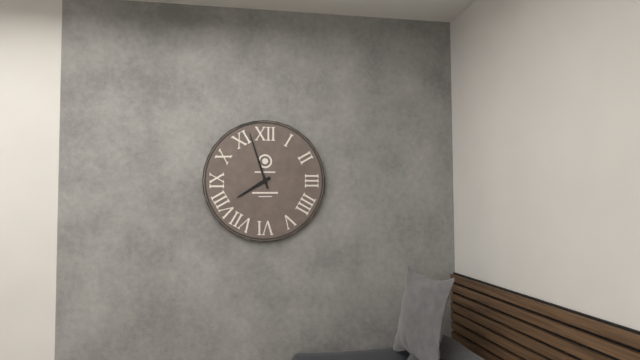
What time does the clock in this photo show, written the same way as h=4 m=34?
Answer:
h=7 m=57
